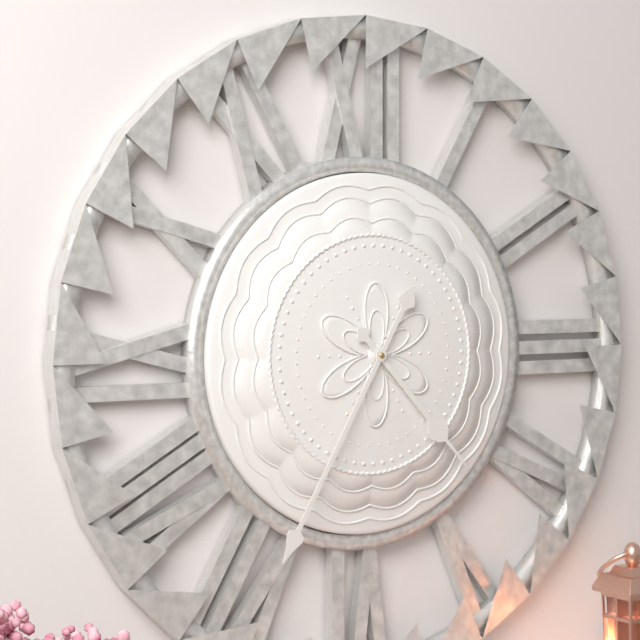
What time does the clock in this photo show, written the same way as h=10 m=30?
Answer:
h=4 m=35
